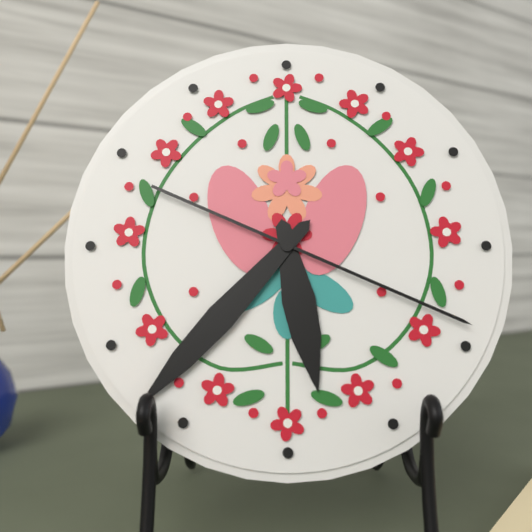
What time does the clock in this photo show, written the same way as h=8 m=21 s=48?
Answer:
h=5 m=37 s=19
